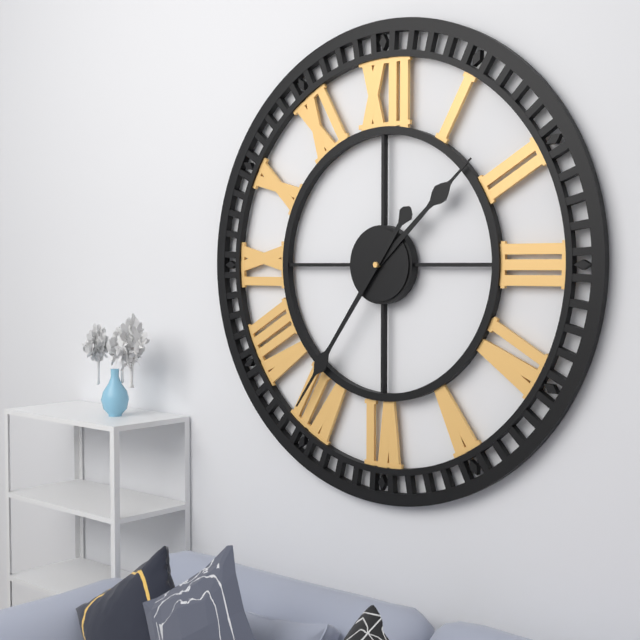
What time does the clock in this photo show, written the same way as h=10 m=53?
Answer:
h=1 m=36
